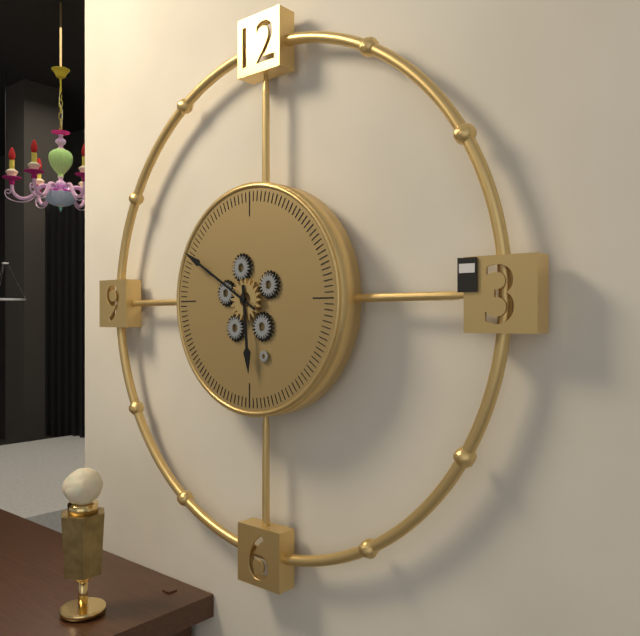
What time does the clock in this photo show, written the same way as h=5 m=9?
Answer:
h=5 m=50
